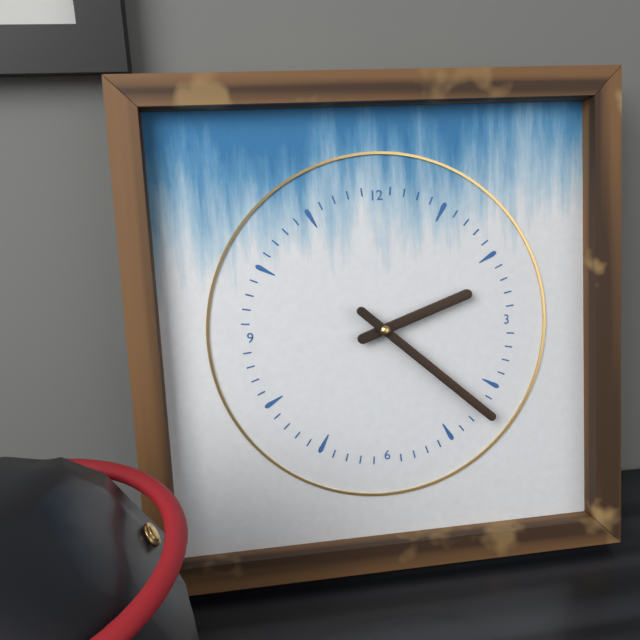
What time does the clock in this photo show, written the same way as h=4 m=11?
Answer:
h=2 m=22
